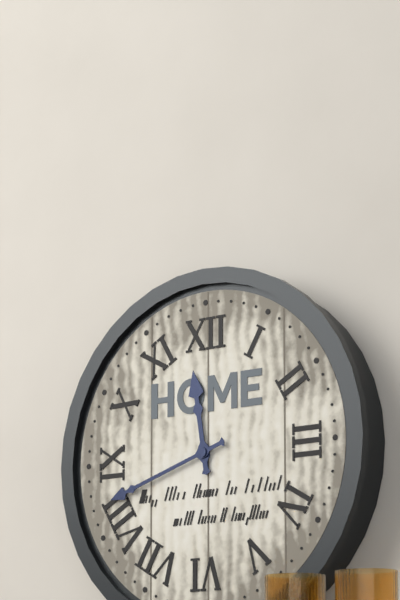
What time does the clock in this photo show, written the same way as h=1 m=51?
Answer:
h=11 m=42
